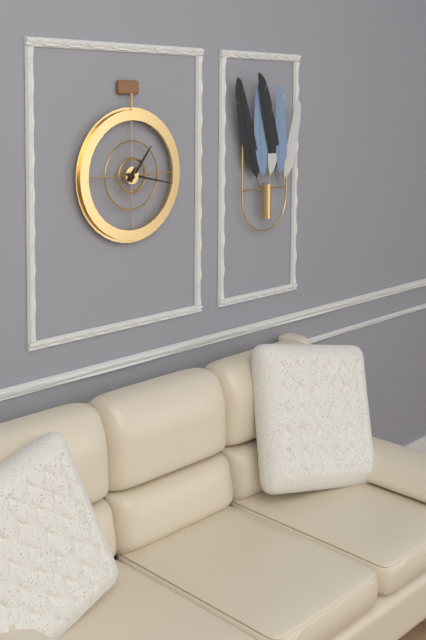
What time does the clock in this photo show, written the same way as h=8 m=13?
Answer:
h=1 m=17
